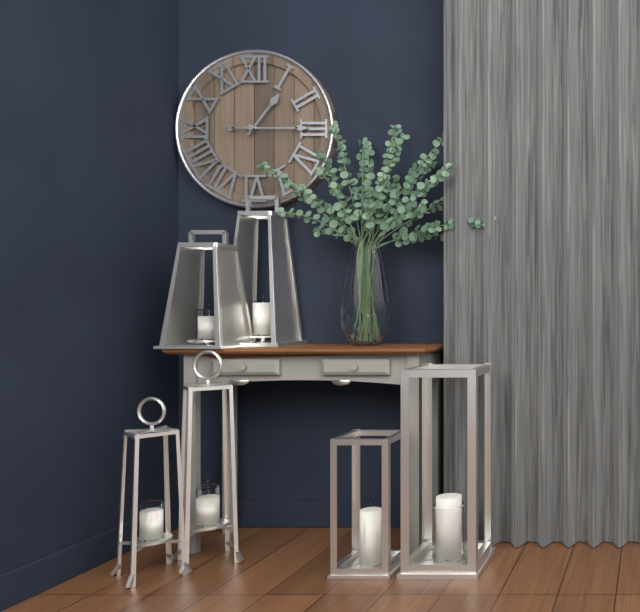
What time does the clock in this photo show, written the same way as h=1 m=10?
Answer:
h=1 m=15
